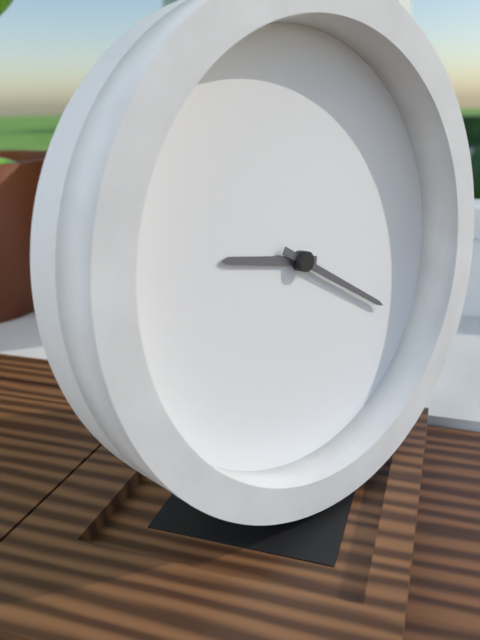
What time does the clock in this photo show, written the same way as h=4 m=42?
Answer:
h=9 m=20
